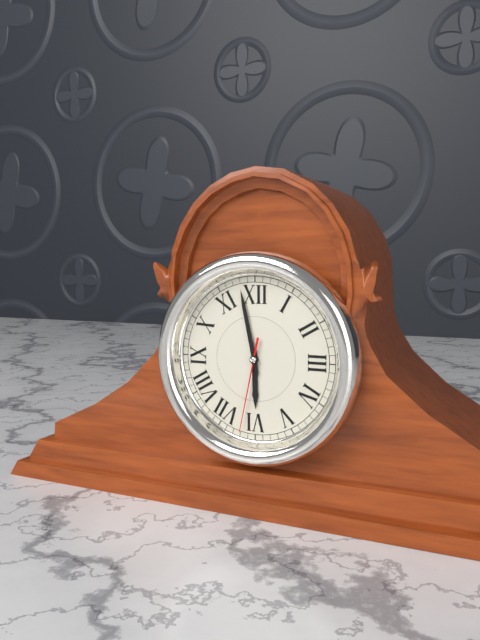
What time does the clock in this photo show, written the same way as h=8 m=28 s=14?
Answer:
h=5 m=58 s=32
